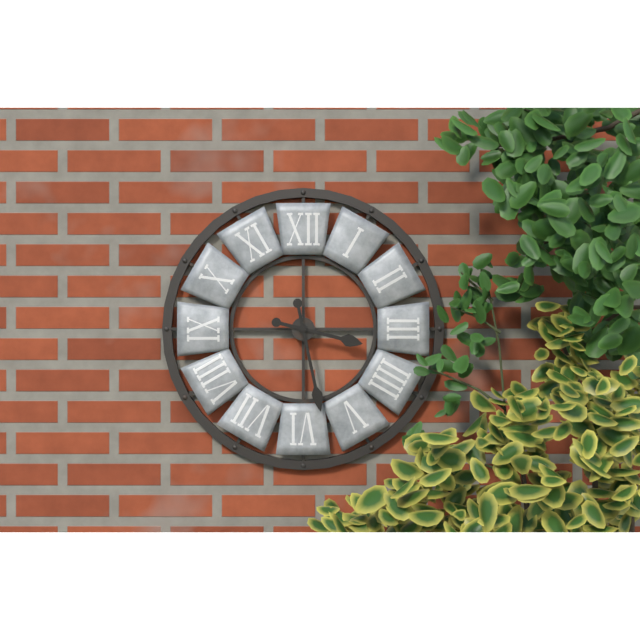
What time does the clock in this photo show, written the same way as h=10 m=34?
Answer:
h=3 m=28
